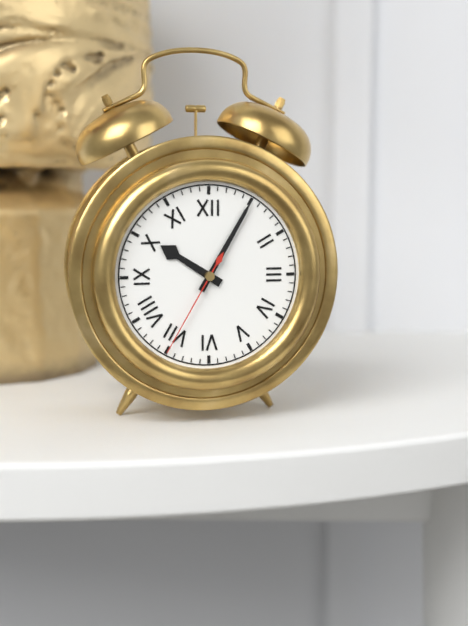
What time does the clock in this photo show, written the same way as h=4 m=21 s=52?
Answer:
h=10 m=5 s=35
